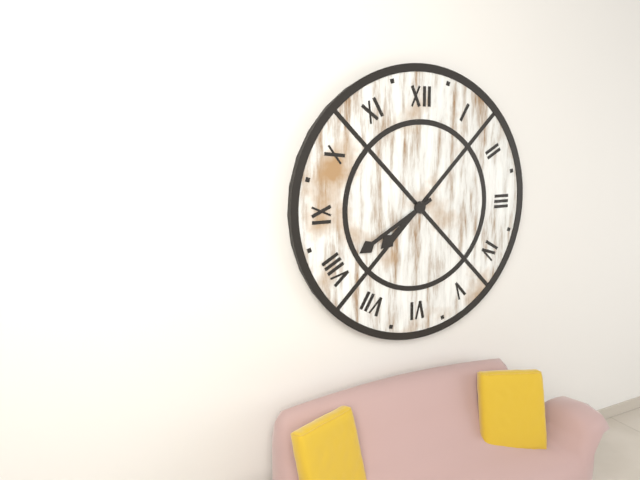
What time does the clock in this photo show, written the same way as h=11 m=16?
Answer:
h=7 m=40
